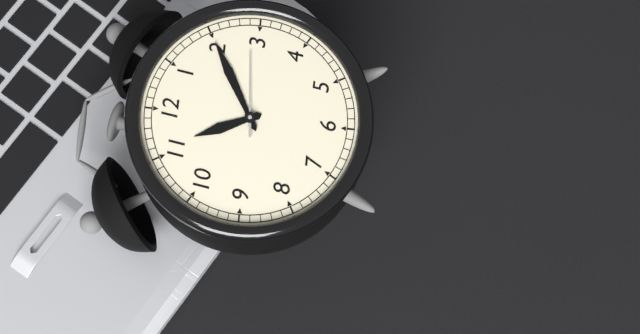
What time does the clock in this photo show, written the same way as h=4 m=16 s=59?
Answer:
h=11 m=10 s=14
